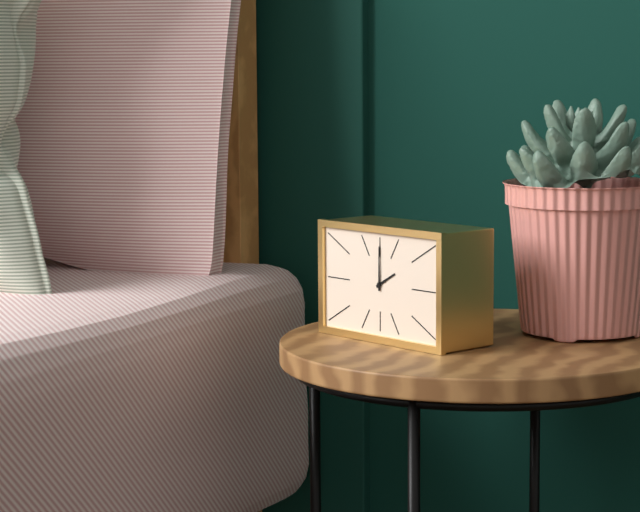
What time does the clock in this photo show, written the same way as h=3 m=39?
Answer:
h=2 m=0
